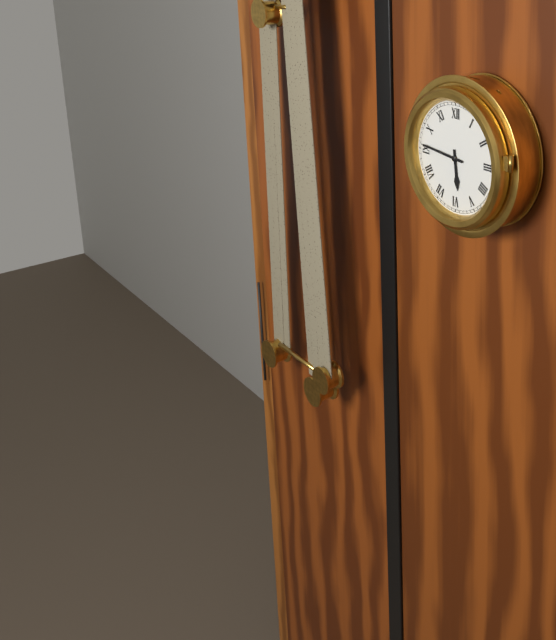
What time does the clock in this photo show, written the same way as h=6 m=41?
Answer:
h=5 m=46
